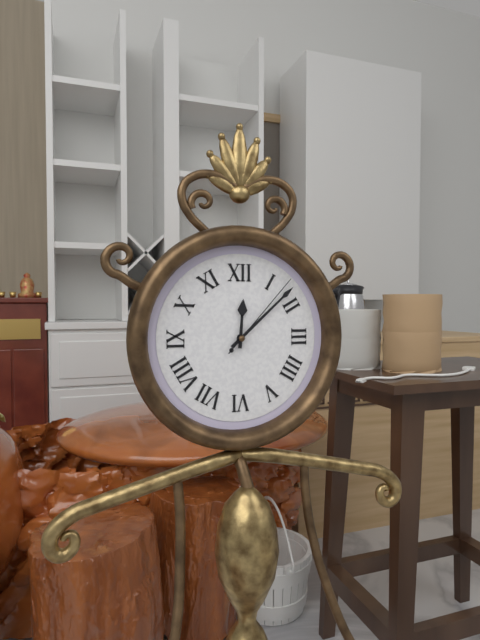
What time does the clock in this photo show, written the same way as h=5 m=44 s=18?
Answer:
h=12 m=8 s=7
